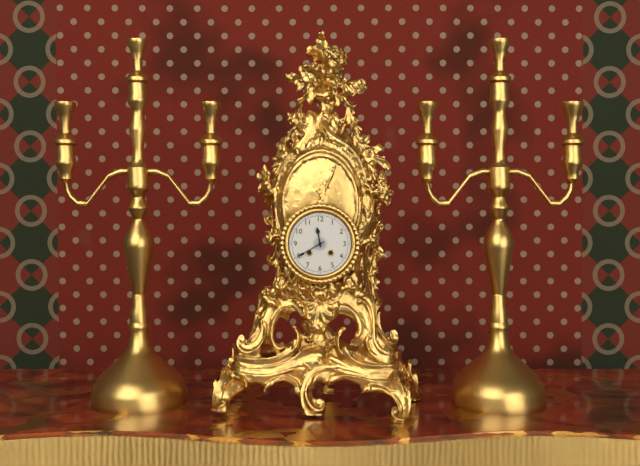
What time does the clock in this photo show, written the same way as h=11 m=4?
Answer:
h=11 m=40
